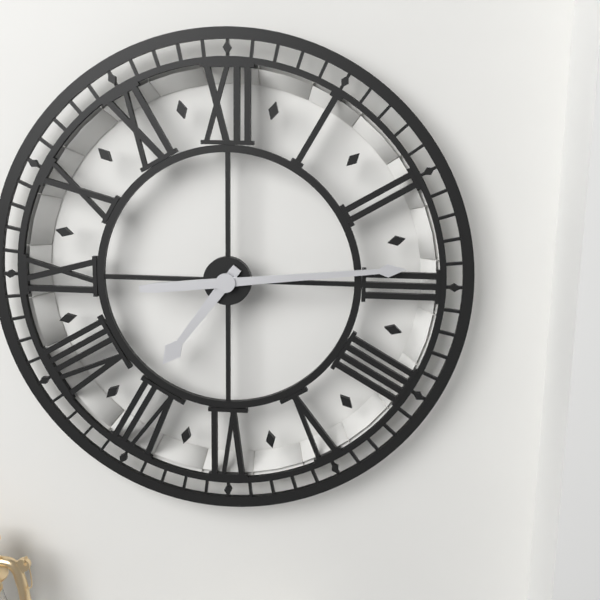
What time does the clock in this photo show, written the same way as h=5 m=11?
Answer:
h=7 m=14
